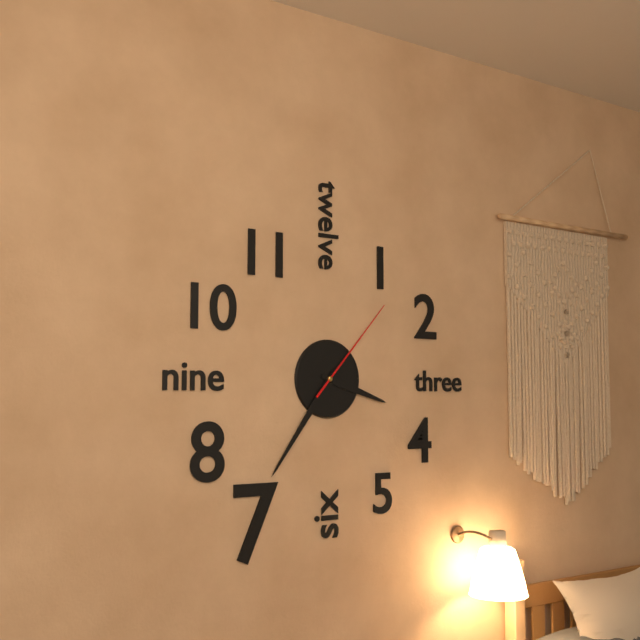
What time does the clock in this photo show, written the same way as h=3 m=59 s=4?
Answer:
h=3 m=36 s=7
